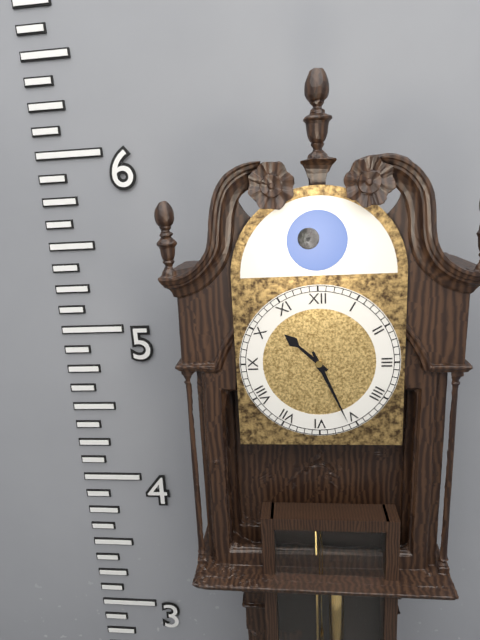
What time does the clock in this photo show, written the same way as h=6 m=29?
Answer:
h=10 m=26
